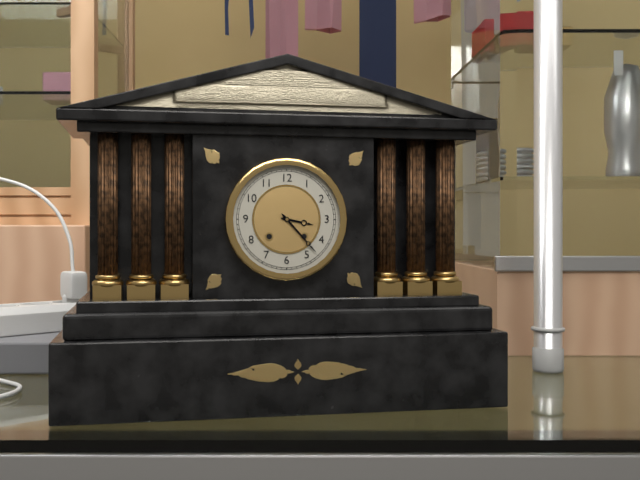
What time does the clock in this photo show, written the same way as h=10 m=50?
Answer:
h=3 m=23
